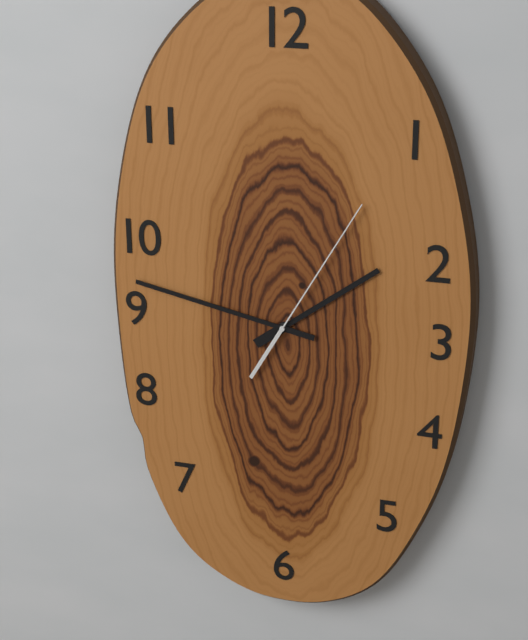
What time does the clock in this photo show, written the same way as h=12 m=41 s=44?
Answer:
h=1 m=47 s=5
